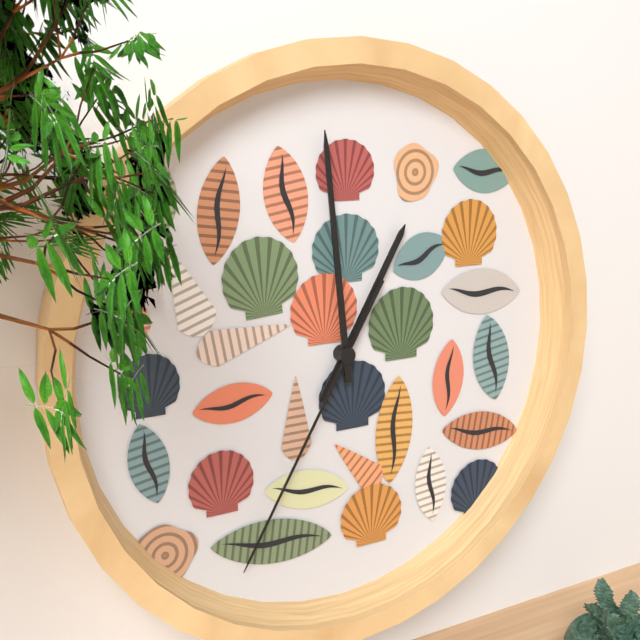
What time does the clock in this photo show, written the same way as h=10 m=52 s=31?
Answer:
h=12 m=59 s=35
